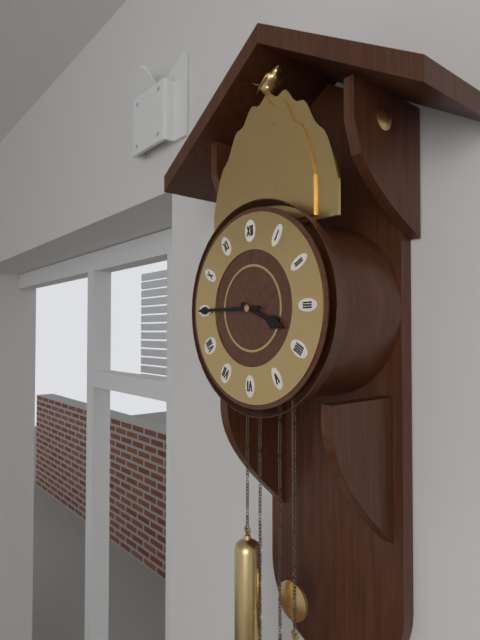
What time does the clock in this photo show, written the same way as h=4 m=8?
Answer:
h=3 m=45
